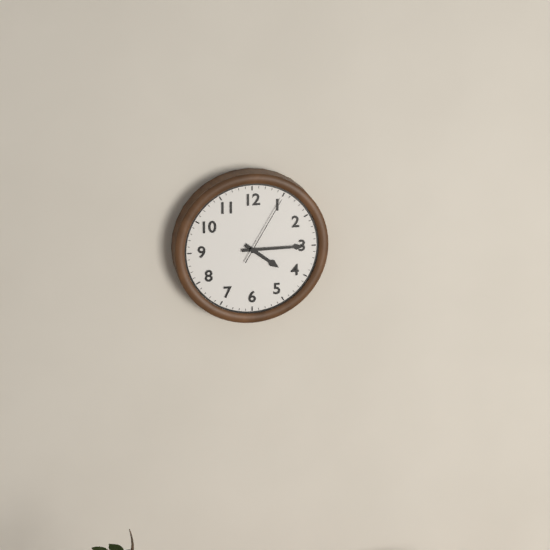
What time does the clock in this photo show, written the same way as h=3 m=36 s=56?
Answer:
h=4 m=15 s=5
